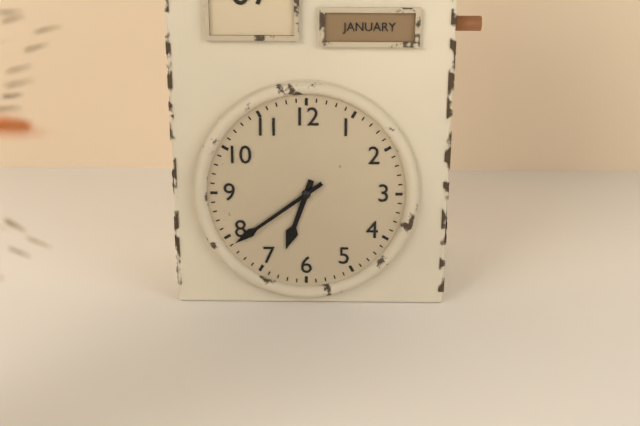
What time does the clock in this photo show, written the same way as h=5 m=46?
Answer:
h=6 m=39
